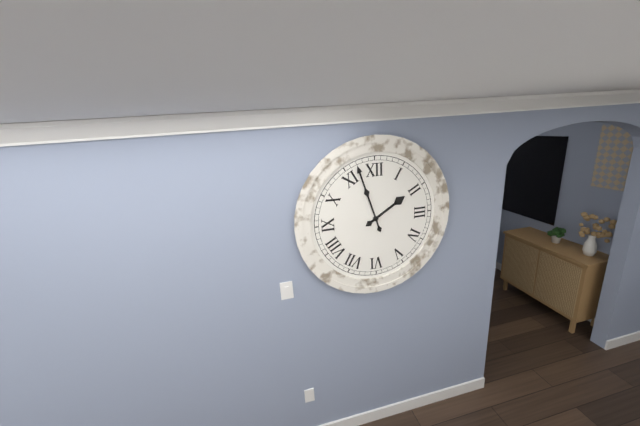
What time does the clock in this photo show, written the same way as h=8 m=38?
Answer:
h=1 m=57
